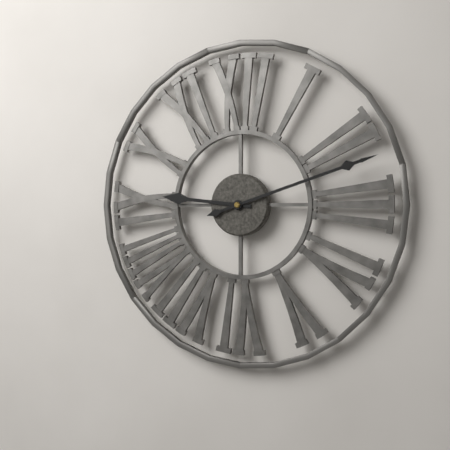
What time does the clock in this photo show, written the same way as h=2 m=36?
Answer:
h=9 m=12
